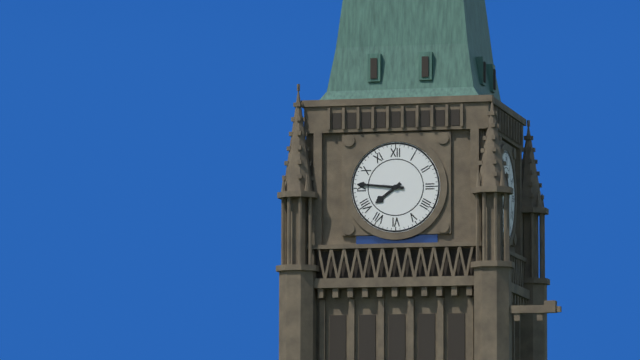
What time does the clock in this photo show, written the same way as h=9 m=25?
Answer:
h=7 m=46
